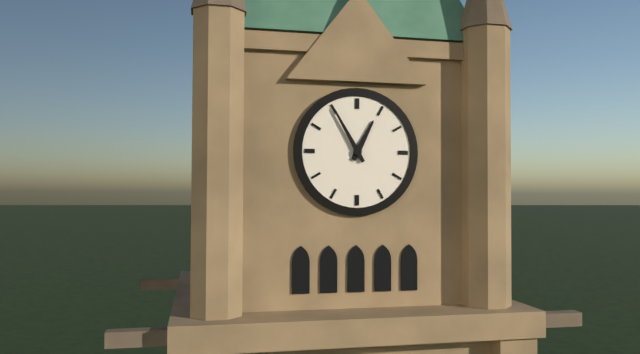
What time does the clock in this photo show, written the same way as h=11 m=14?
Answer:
h=12 m=55
